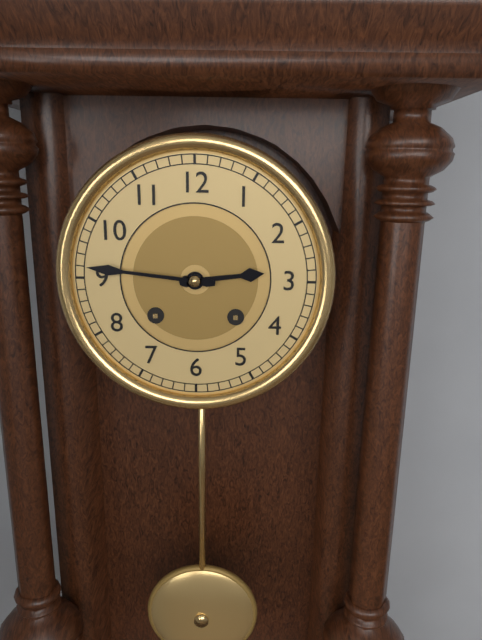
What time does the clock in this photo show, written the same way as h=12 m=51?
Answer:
h=2 m=46
